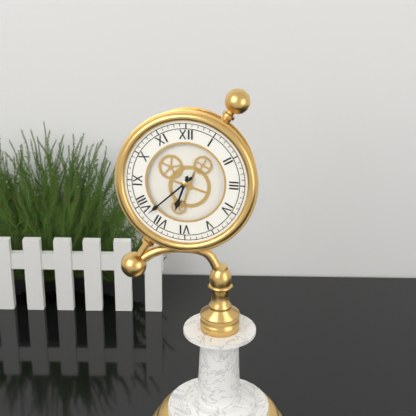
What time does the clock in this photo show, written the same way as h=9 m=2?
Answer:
h=6 m=38
